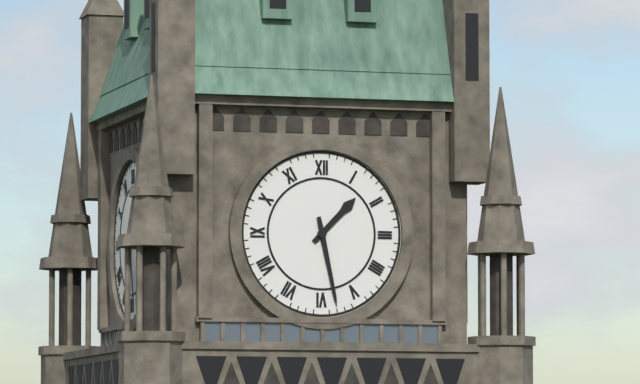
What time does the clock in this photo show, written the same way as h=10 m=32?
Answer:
h=1 m=28
